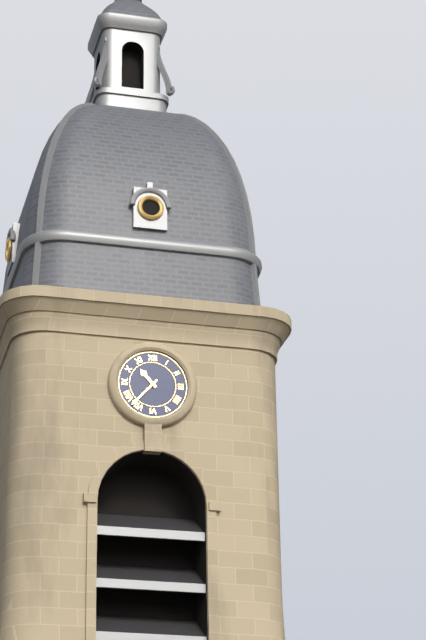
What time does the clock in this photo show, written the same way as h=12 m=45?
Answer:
h=10 m=37
